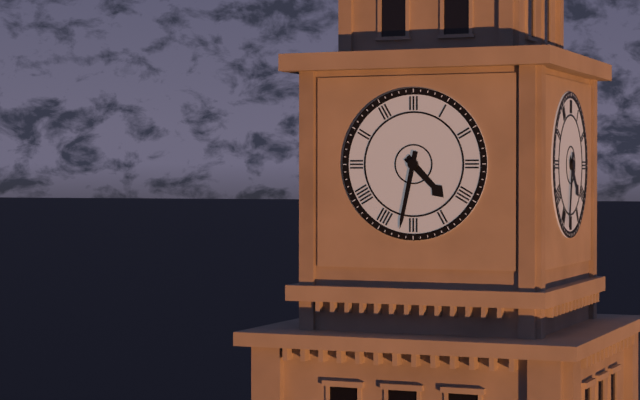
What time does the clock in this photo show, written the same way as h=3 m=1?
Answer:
h=4 m=32
